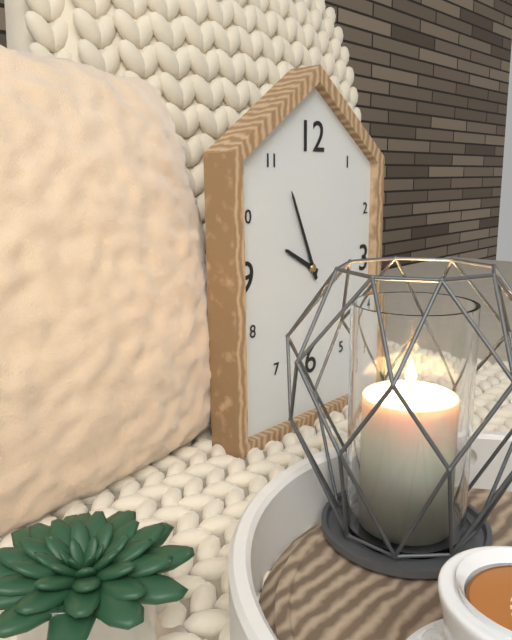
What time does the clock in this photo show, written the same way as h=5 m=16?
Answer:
h=9 m=56
